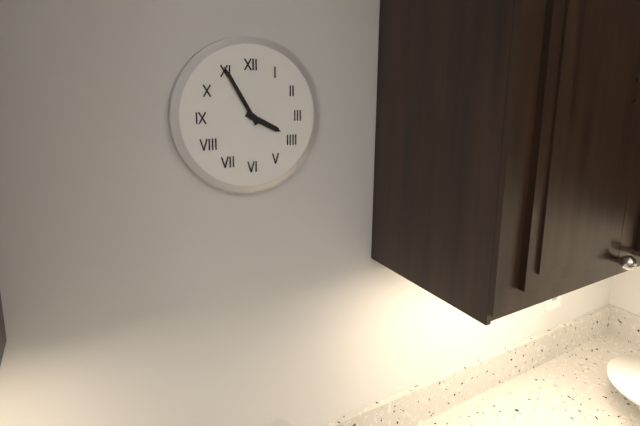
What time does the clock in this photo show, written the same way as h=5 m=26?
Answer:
h=3 m=55
